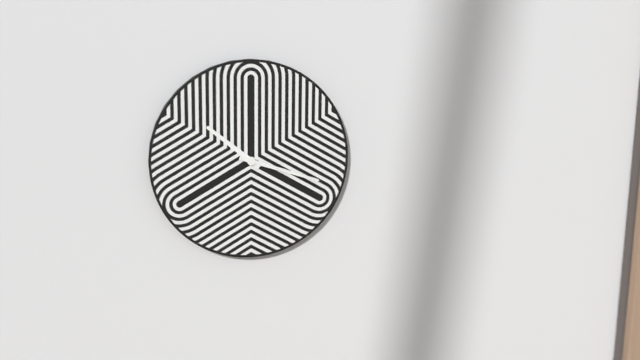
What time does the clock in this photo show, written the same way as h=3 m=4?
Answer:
h=10 m=18
